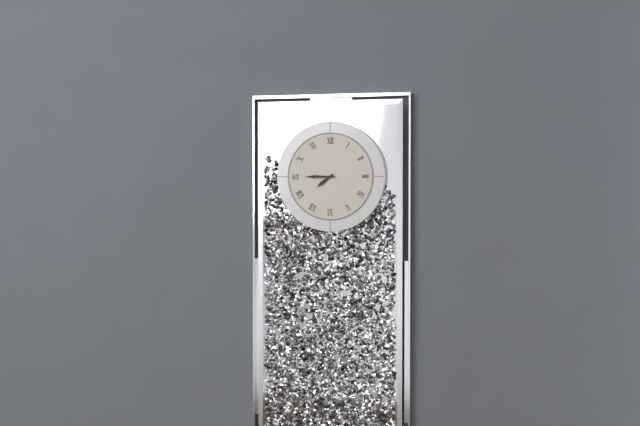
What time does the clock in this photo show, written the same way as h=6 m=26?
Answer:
h=7 m=45
